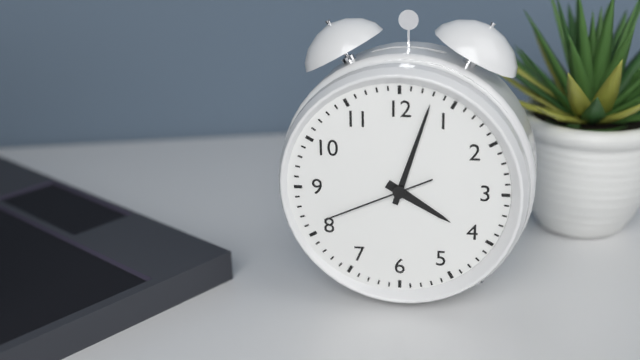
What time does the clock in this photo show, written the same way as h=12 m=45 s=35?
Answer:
h=4 m=3 s=41
